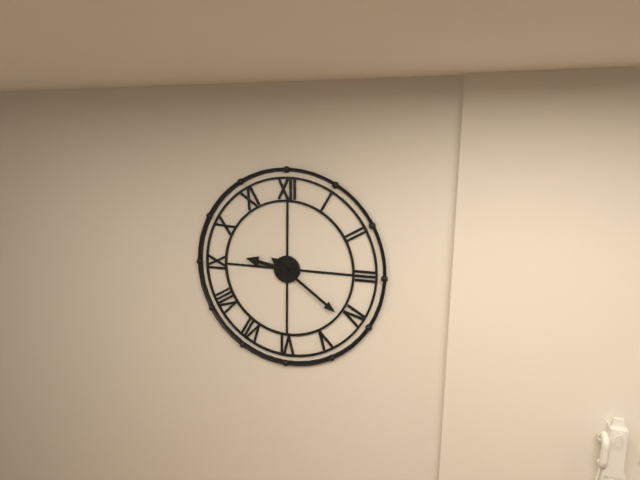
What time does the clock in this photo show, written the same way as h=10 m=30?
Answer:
h=9 m=21
